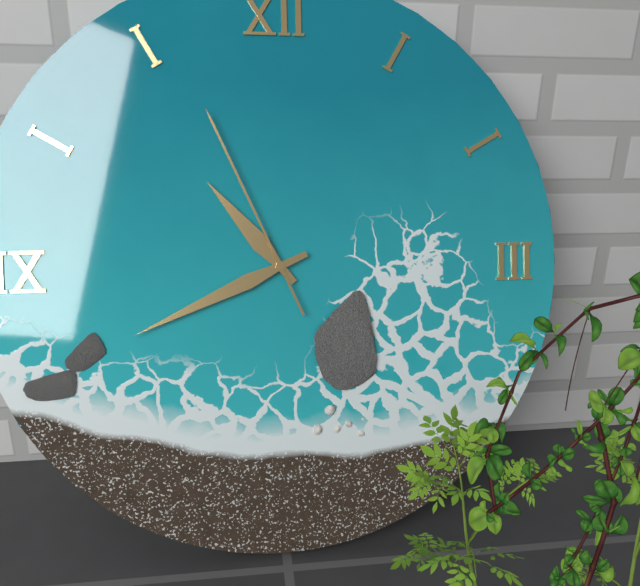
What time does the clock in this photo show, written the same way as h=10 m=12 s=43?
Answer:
h=10 m=41 s=56
